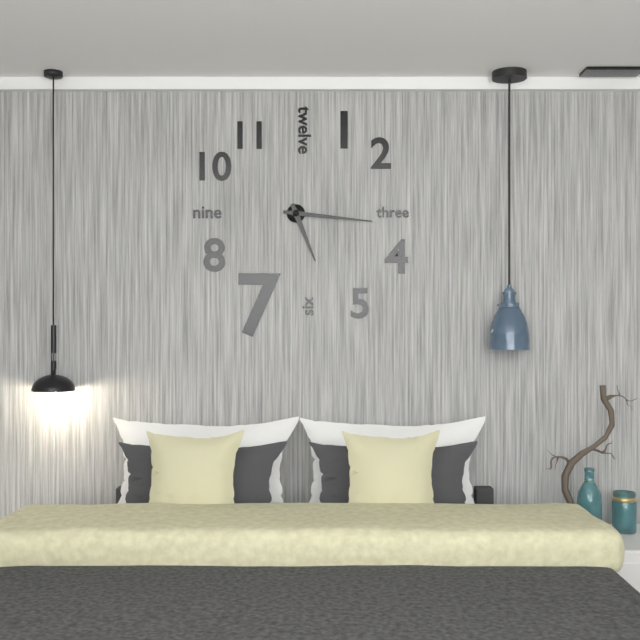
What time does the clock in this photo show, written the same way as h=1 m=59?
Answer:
h=5 m=16
